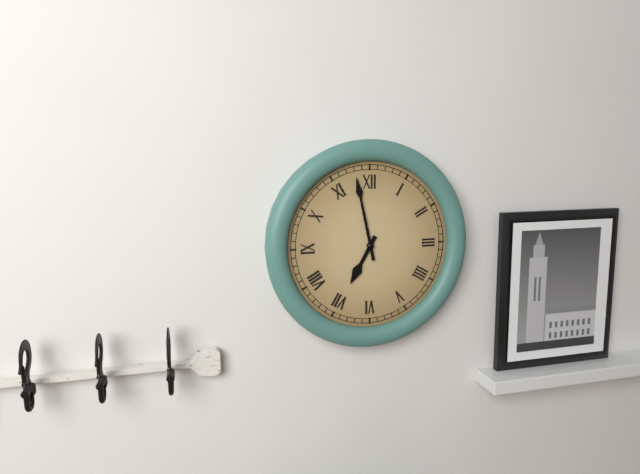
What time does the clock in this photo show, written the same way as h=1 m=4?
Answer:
h=6 m=58
